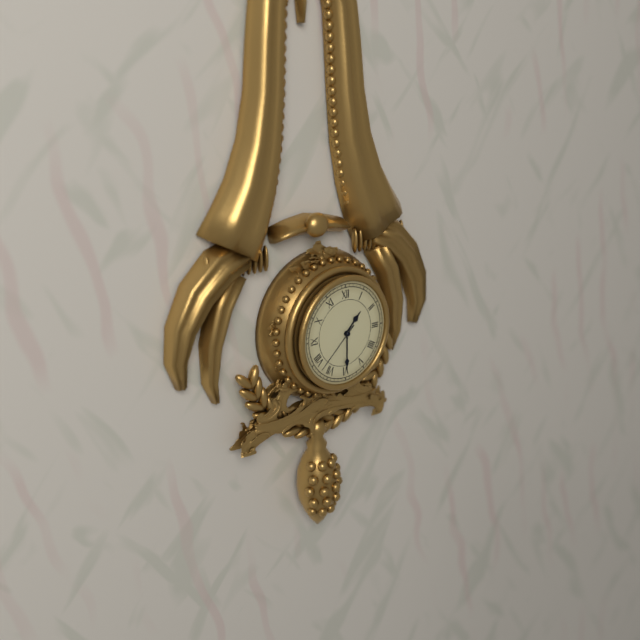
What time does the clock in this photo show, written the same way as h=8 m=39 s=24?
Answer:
h=1 m=30 s=38
